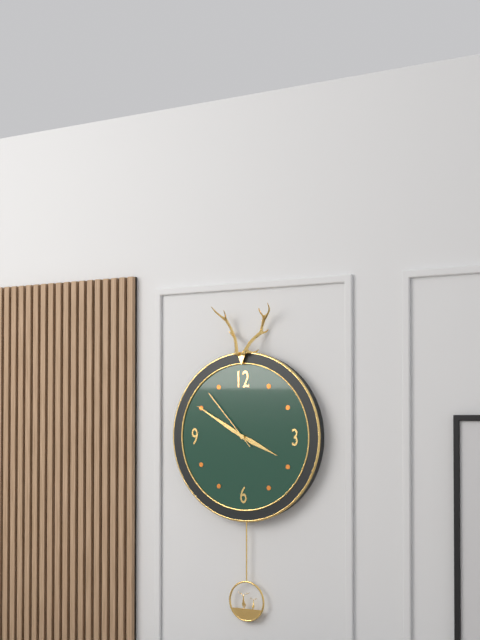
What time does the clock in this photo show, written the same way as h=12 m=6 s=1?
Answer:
h=3 m=50 s=53
